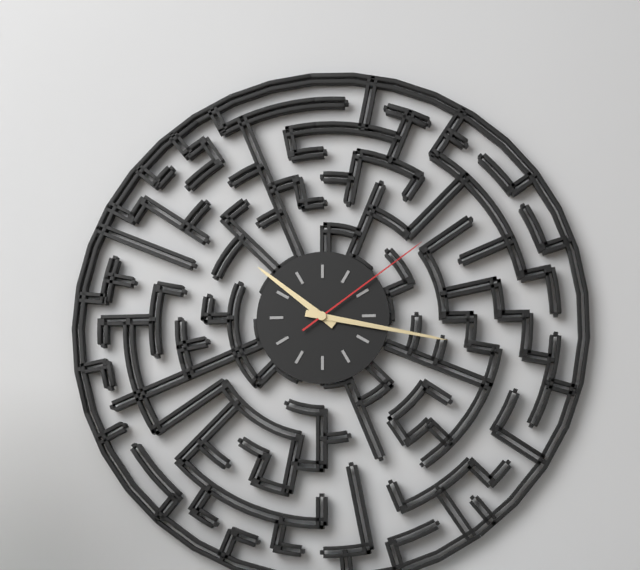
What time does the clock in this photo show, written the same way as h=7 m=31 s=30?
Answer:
h=10 m=17 s=9
